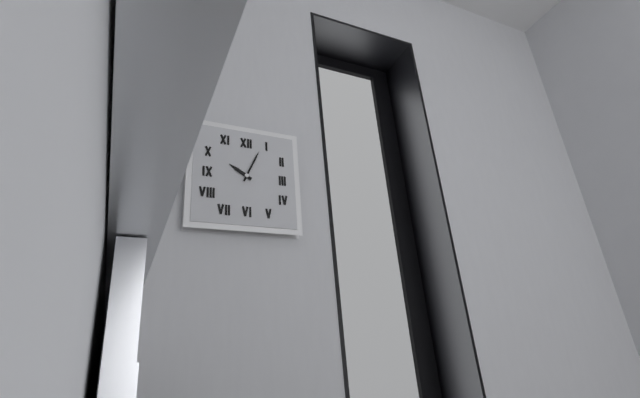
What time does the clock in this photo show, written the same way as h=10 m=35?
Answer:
h=10 m=4
